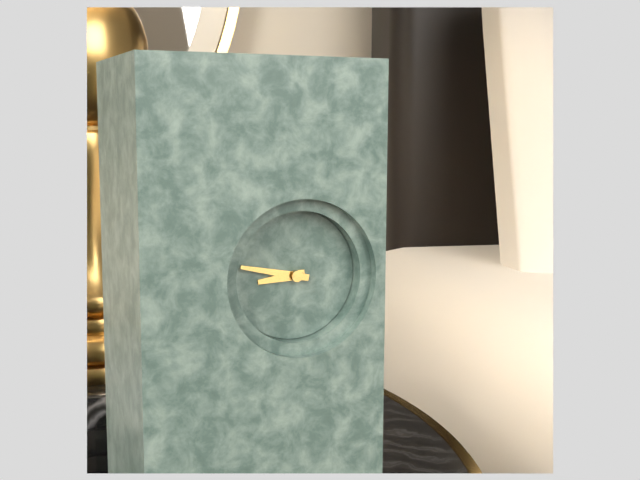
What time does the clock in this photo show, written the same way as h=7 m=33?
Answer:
h=8 m=47
